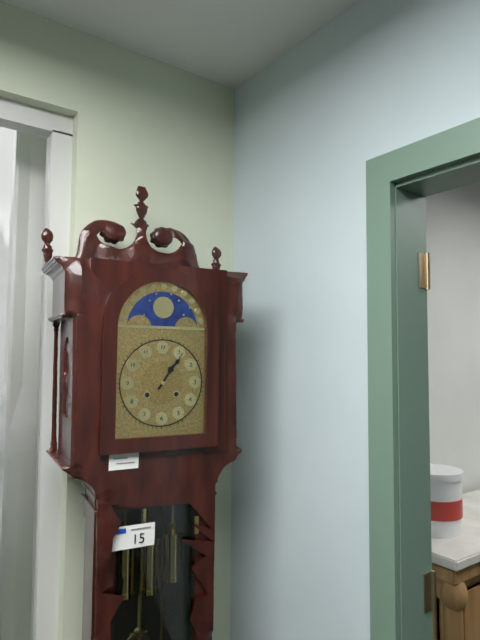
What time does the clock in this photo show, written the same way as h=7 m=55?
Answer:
h=1 m=6
